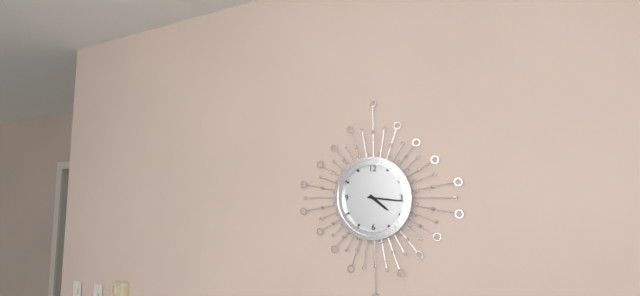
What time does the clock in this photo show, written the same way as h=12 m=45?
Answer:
h=4 m=16
